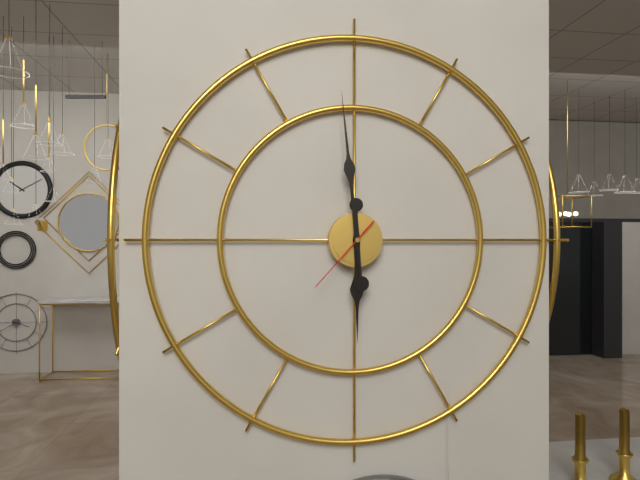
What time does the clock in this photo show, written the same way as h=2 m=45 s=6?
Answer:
h=5 m=59 s=37
